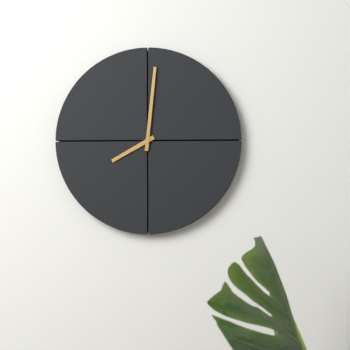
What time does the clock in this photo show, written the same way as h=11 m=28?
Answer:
h=8 m=1
